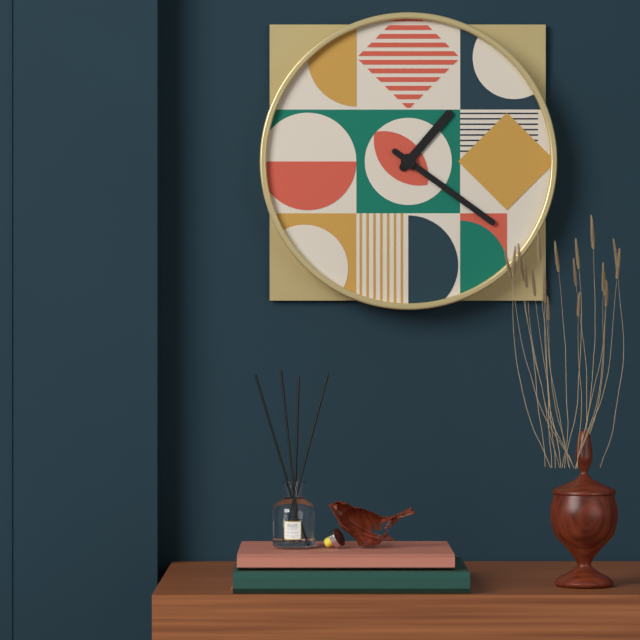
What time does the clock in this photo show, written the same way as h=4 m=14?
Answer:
h=1 m=21
